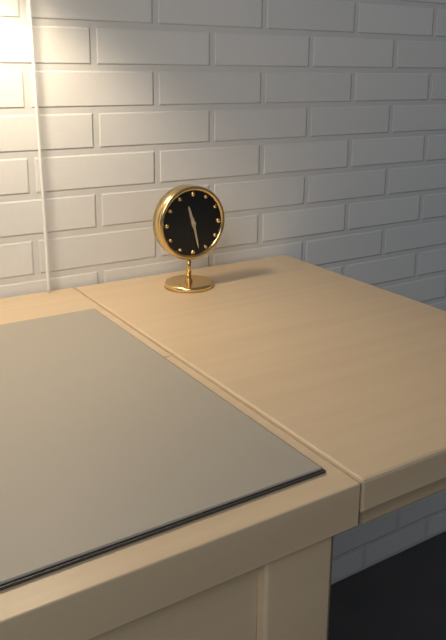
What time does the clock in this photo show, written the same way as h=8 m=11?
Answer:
h=11 m=28
